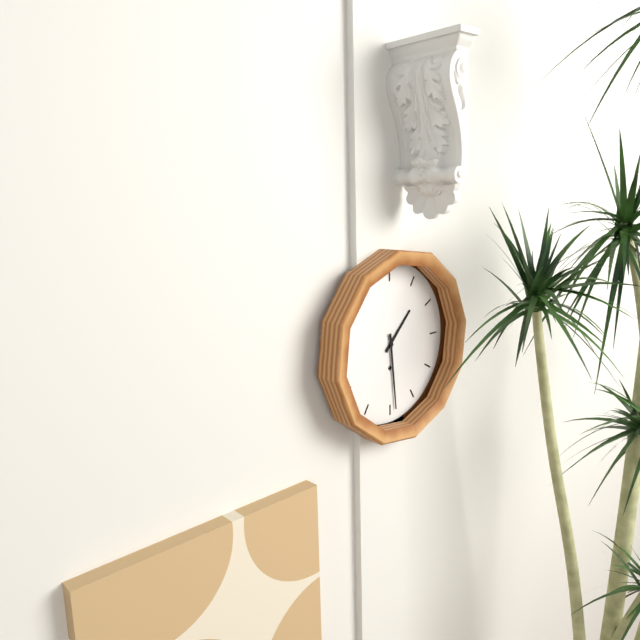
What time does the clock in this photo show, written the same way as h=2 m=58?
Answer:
h=1 m=29
